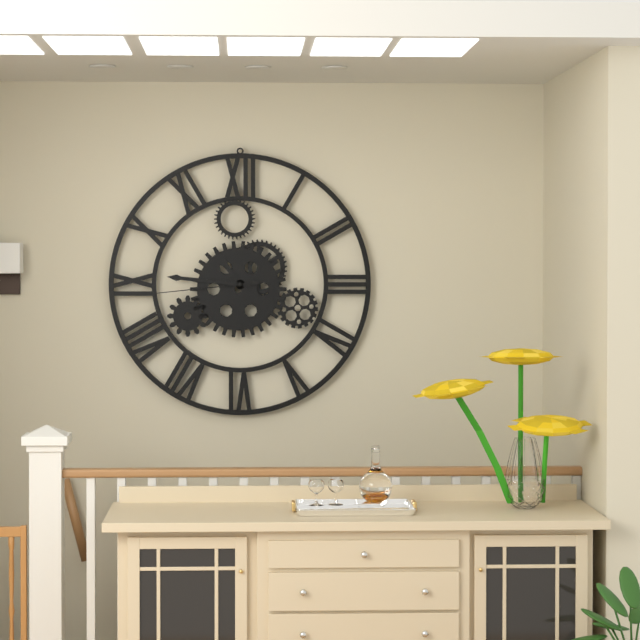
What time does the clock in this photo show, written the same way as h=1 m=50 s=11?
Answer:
h=10 m=46 s=44
